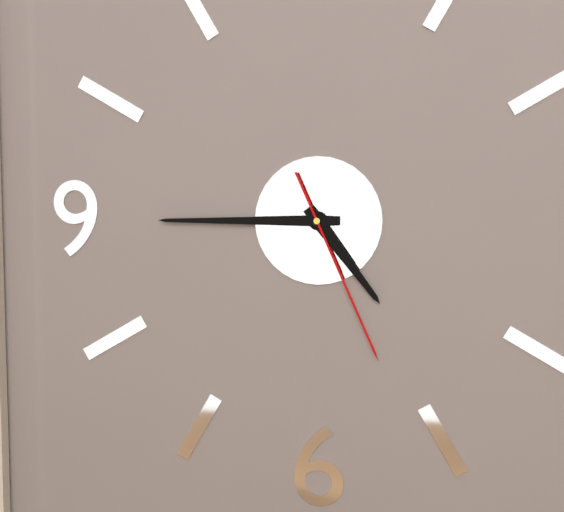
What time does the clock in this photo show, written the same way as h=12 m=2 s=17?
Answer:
h=4 m=45 s=26
